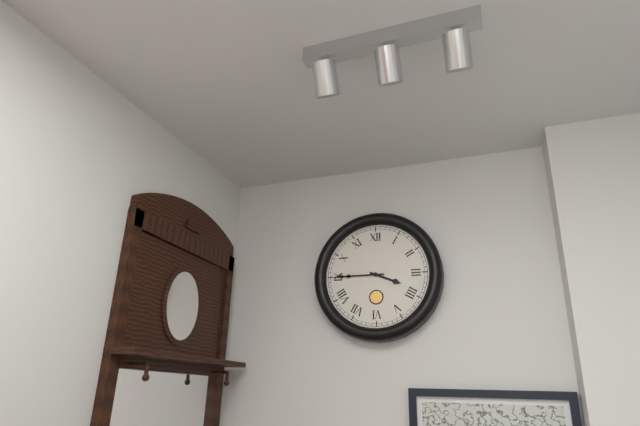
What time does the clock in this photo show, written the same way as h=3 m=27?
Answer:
h=3 m=45
